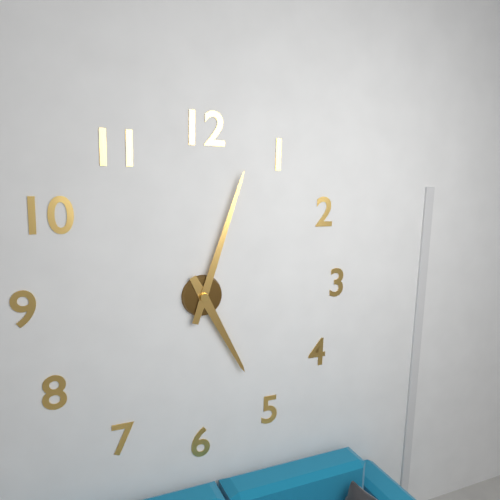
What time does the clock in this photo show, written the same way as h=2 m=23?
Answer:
h=5 m=3
